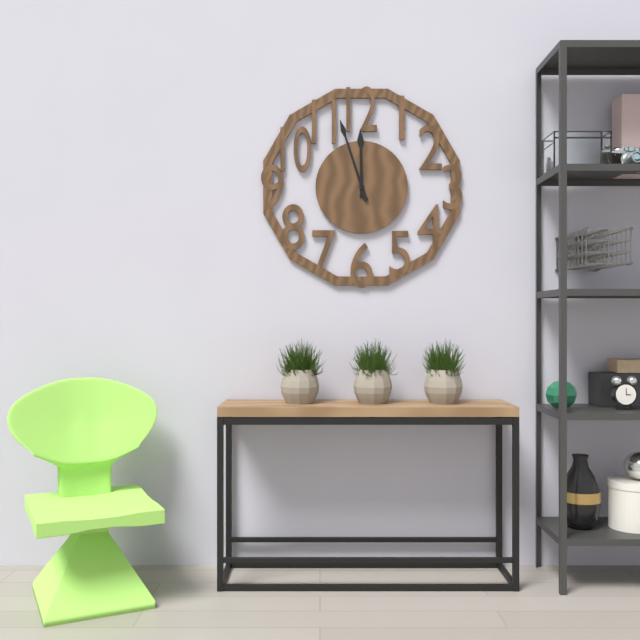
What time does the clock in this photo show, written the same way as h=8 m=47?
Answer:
h=11 m=57
